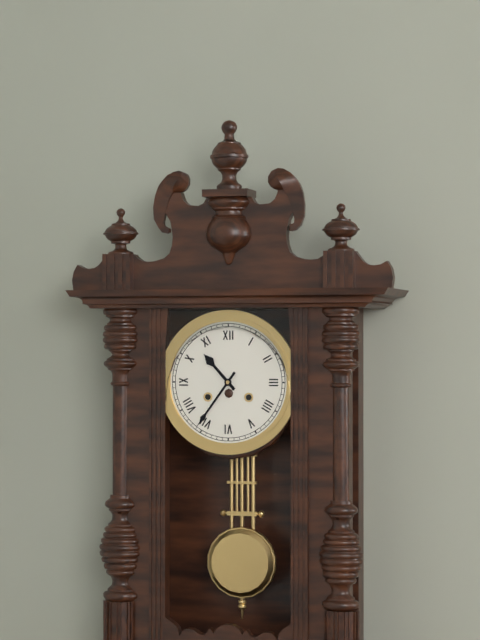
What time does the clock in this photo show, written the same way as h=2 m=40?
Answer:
h=10 m=36
